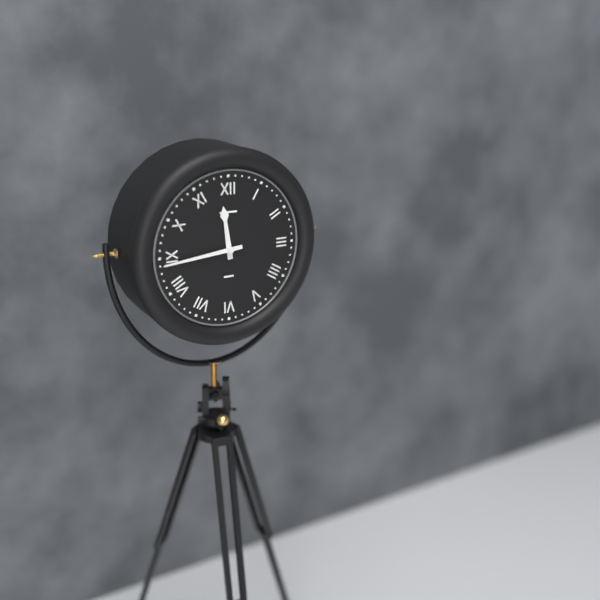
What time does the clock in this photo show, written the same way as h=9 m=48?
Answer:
h=11 m=44
